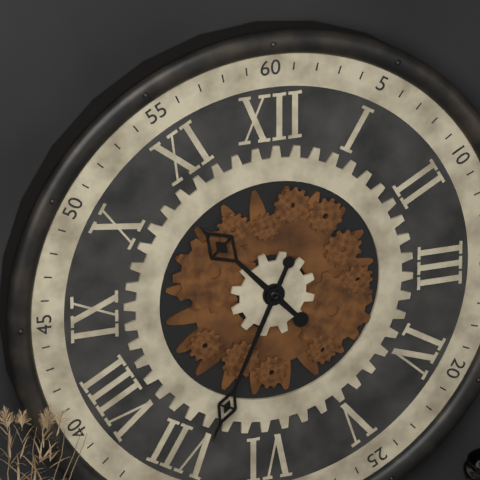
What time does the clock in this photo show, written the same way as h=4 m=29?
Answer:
h=10 m=34
